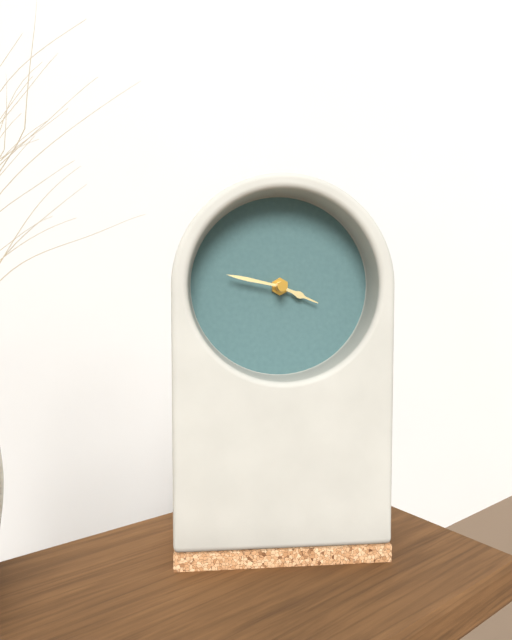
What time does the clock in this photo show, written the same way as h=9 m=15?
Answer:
h=3 m=47
